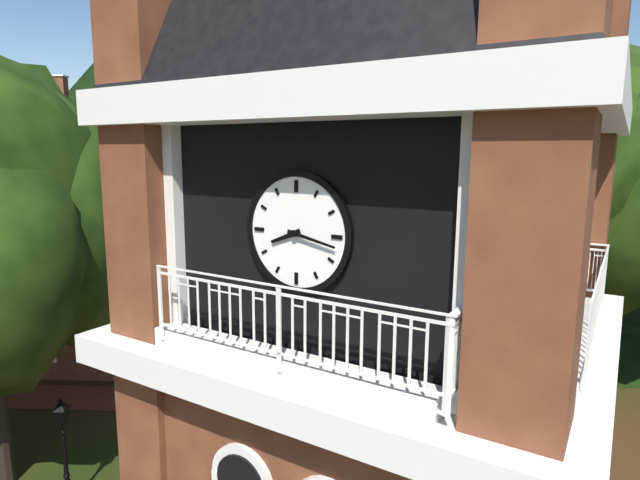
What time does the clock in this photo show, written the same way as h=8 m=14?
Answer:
h=8 m=17
